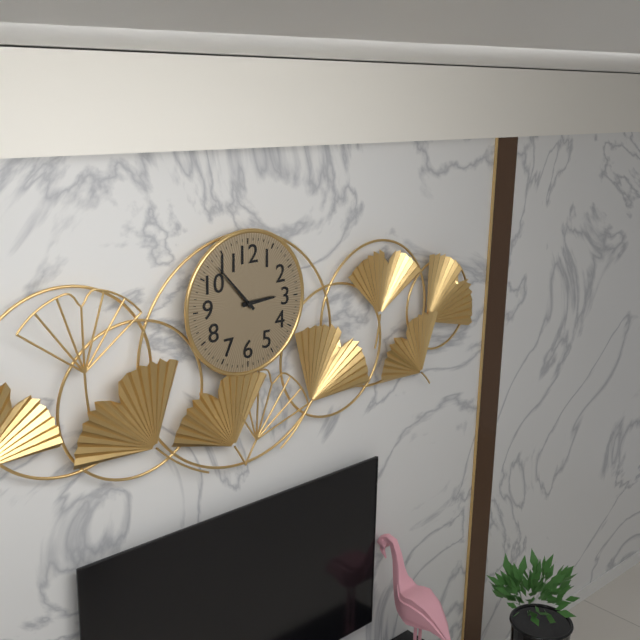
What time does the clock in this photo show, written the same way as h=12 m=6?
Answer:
h=2 m=53
